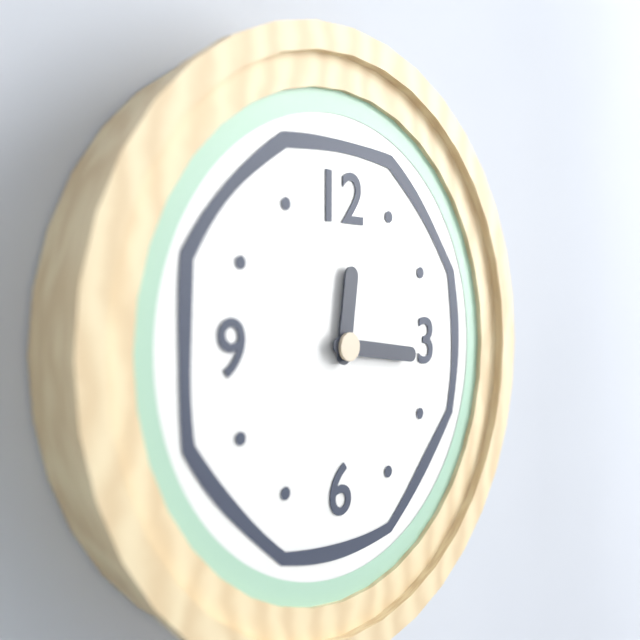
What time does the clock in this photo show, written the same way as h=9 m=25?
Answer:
h=12 m=16
